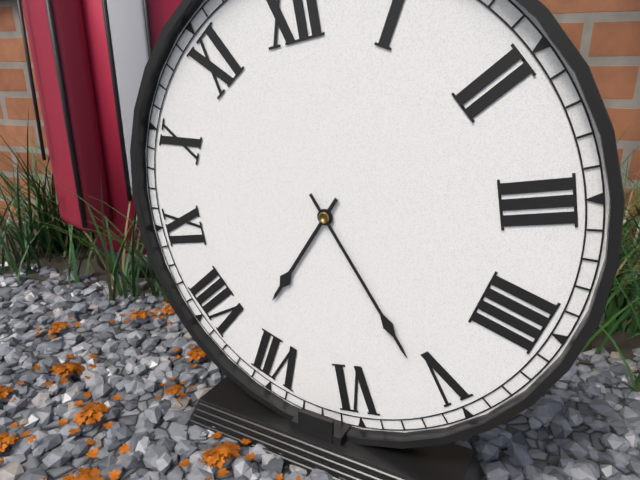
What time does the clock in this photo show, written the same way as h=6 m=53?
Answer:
h=7 m=26
